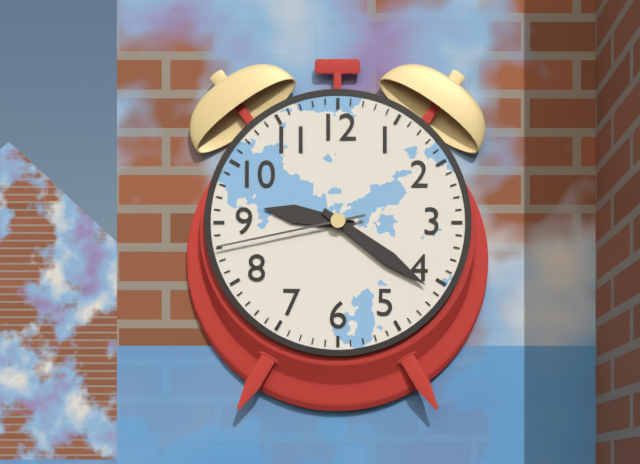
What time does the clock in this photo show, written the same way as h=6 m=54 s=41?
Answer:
h=9 m=21 s=43
